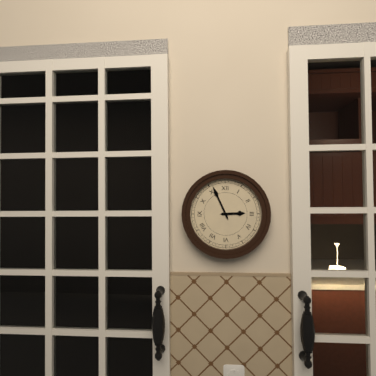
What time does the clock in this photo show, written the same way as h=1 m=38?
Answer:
h=2 m=56
